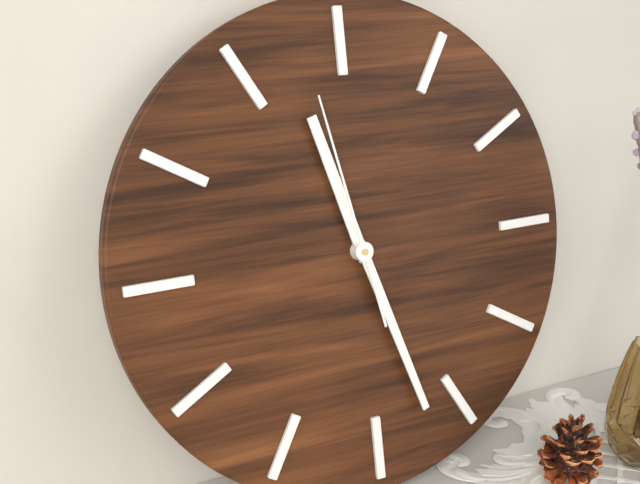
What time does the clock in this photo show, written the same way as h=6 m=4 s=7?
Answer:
h=11 m=27 s=58
